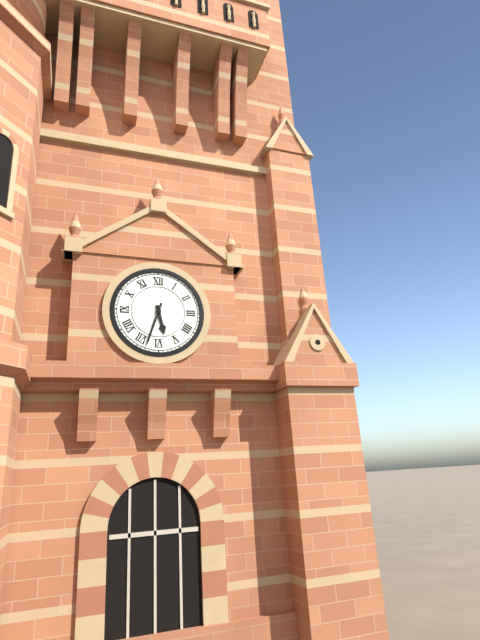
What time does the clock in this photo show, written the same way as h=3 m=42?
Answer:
h=5 m=33
